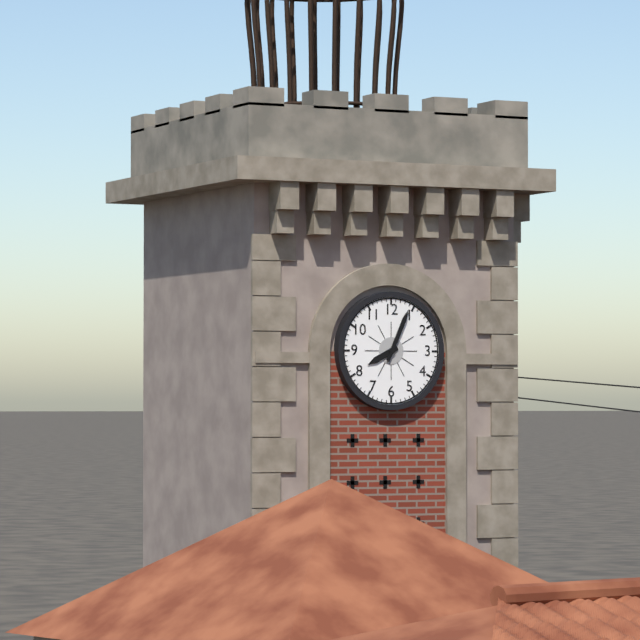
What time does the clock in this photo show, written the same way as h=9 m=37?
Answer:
h=8 m=4
